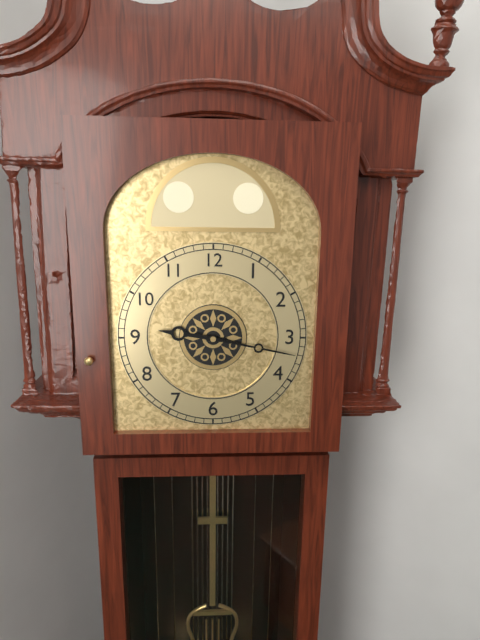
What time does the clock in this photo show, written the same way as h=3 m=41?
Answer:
h=9 m=17
